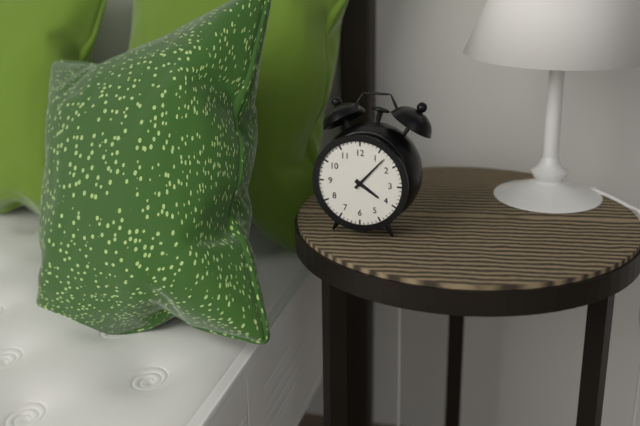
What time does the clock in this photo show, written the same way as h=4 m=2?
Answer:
h=4 m=7
